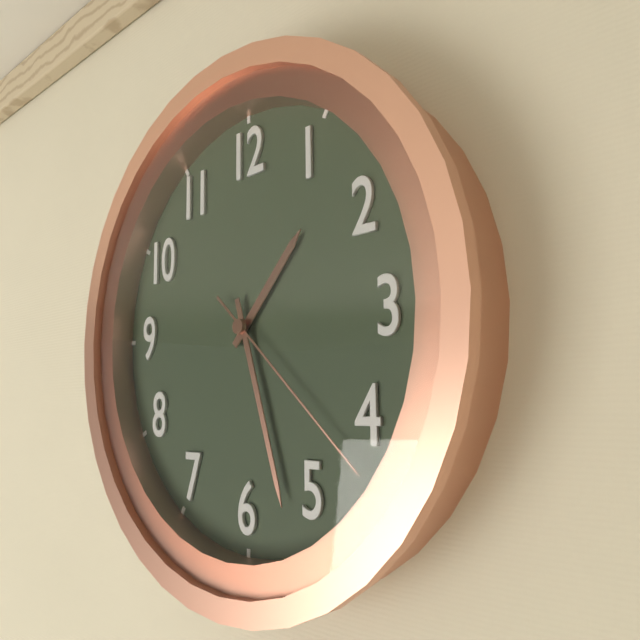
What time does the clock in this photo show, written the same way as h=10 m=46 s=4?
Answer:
h=1 m=27 s=22
